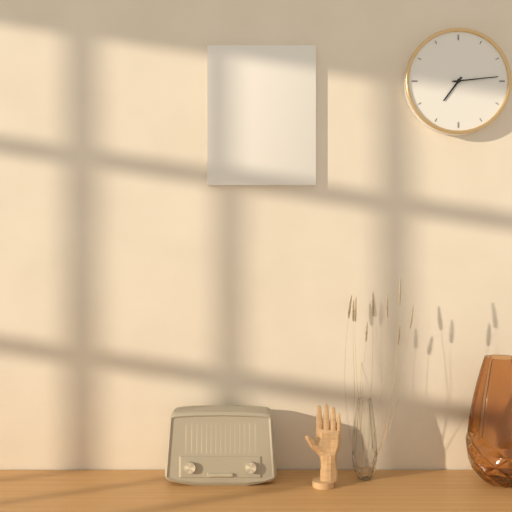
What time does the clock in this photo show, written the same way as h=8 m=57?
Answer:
h=7 m=14
